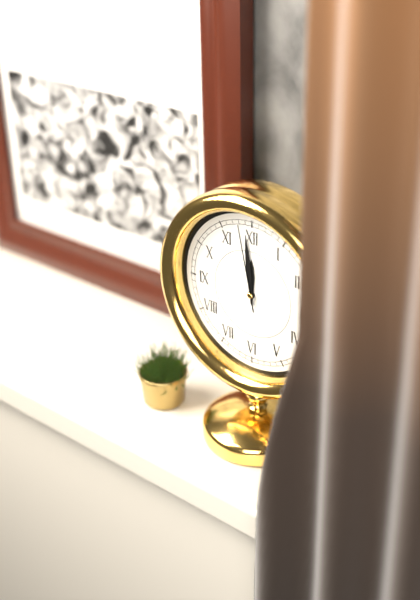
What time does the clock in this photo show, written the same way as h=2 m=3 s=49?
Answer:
h=11 m=59 s=58
